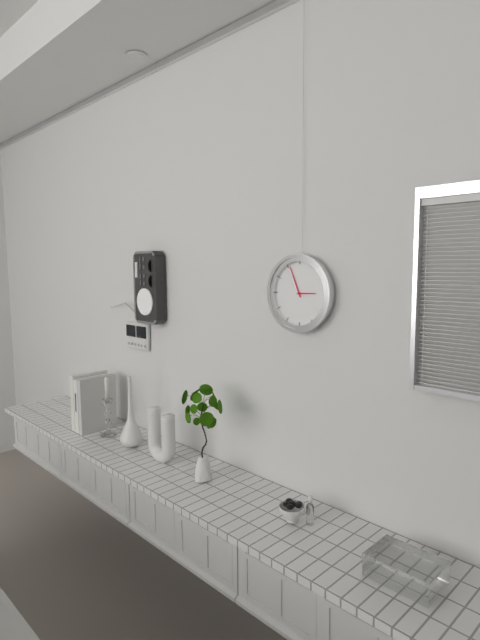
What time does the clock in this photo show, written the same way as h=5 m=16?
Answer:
h=2 m=56
